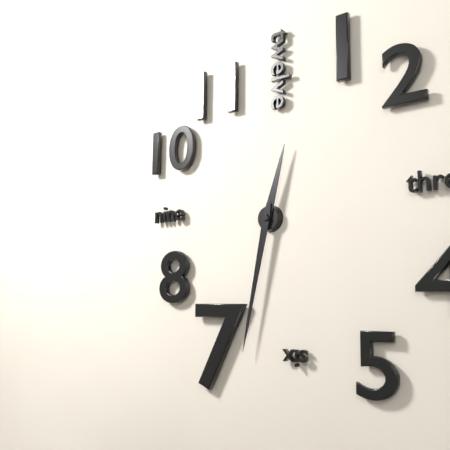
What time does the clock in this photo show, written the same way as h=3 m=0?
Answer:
h=12 m=32
